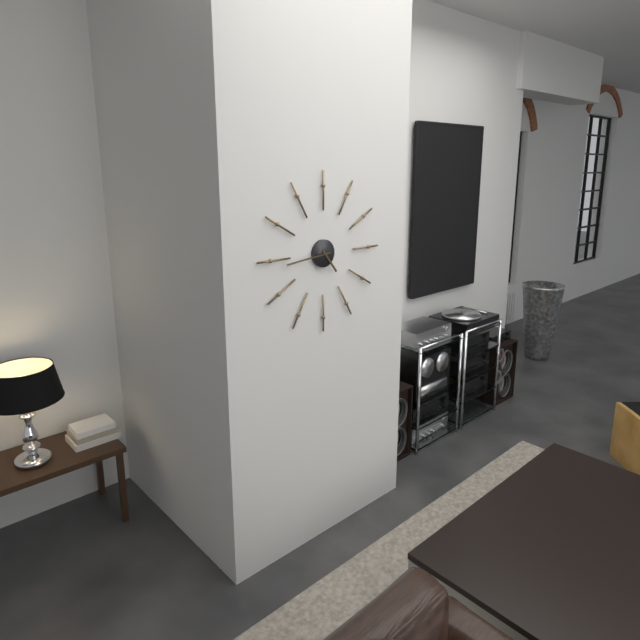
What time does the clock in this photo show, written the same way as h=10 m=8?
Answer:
h=4 m=44
